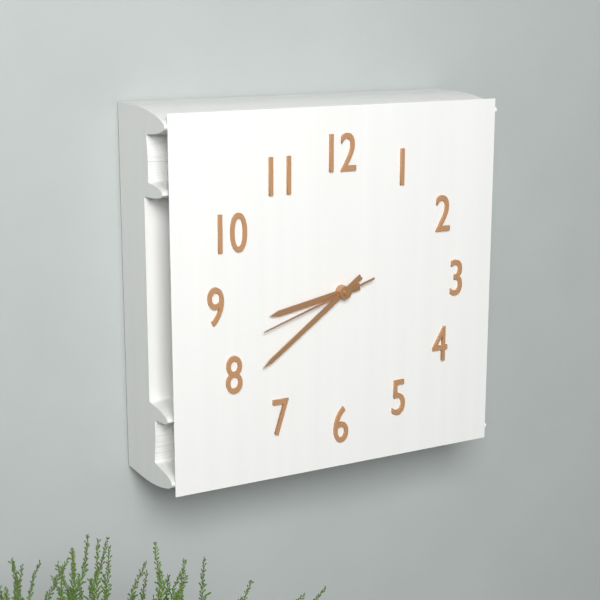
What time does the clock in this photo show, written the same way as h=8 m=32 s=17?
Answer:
h=8 m=39 s=42
